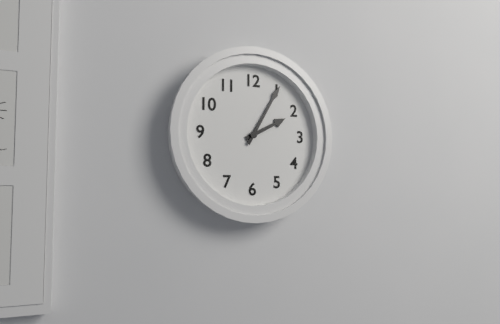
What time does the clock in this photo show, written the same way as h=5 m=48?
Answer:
h=2 m=5
